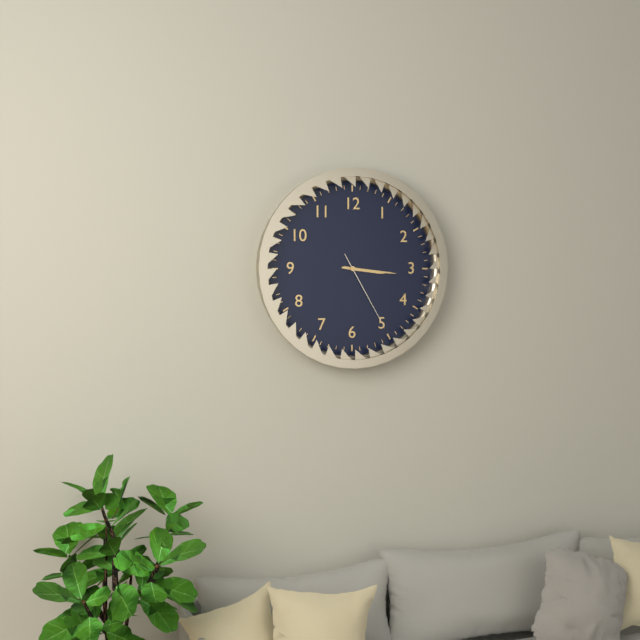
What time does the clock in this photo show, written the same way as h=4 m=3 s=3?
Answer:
h=3 m=16 s=25
